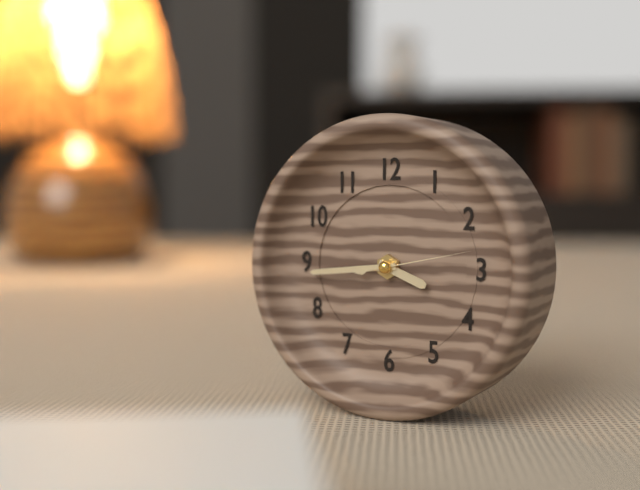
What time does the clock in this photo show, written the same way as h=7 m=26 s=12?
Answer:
h=3 m=44 s=13
